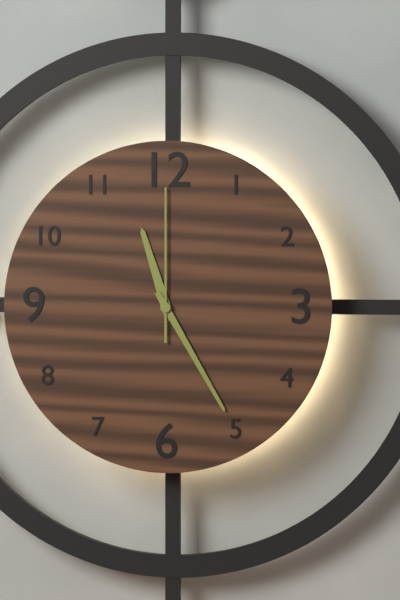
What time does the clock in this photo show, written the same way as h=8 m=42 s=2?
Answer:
h=11 m=25 s=0
